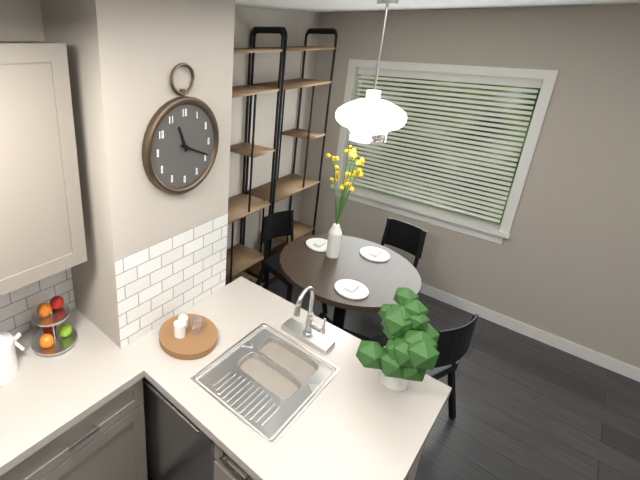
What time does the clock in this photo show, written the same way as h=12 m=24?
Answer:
h=11 m=19
